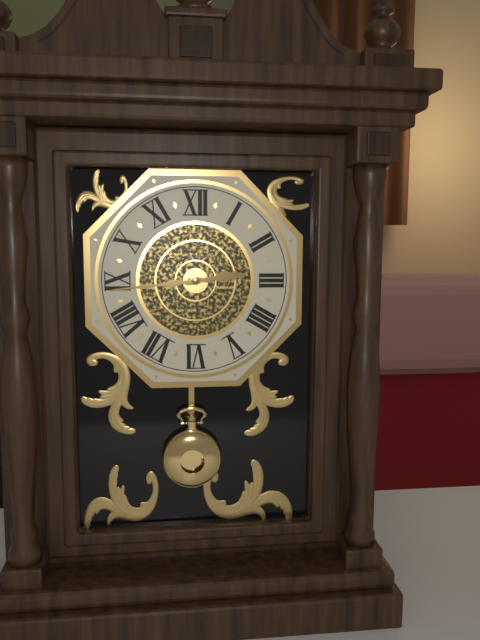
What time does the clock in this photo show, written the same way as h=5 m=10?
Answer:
h=2 m=44
